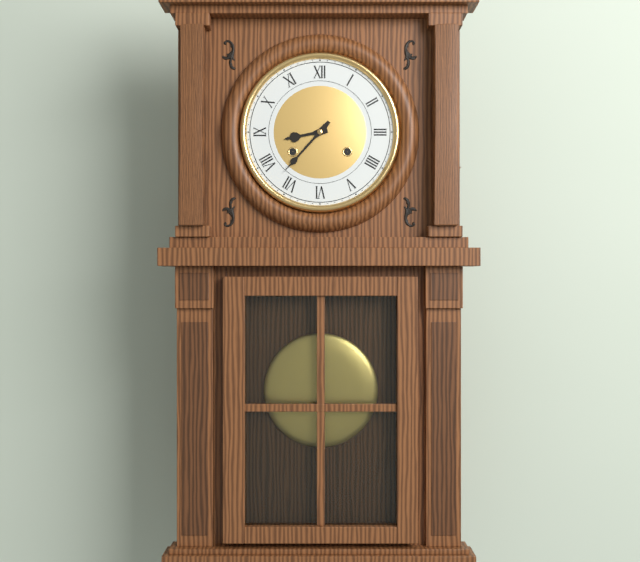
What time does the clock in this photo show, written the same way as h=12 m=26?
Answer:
h=8 m=37
